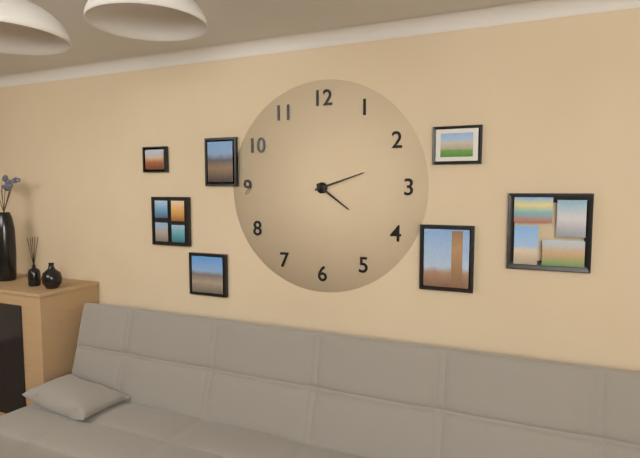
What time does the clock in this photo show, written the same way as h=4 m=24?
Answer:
h=4 m=12
